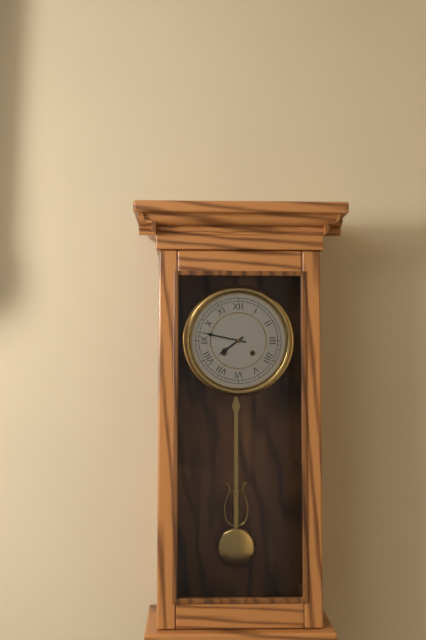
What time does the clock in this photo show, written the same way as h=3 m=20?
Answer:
h=7 m=47
